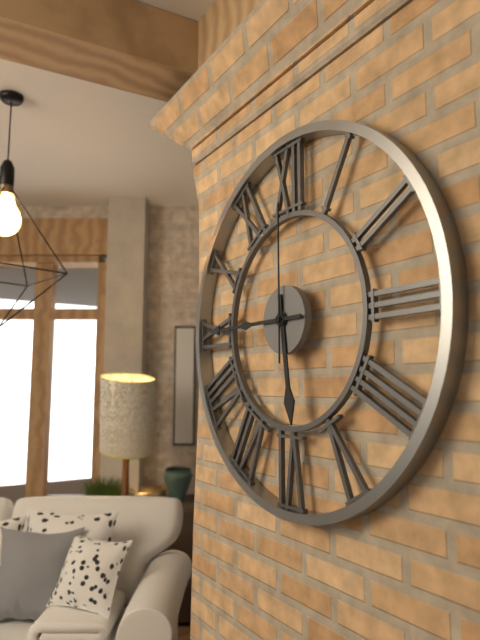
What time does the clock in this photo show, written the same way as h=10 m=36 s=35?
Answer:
h=5 m=45 s=0
